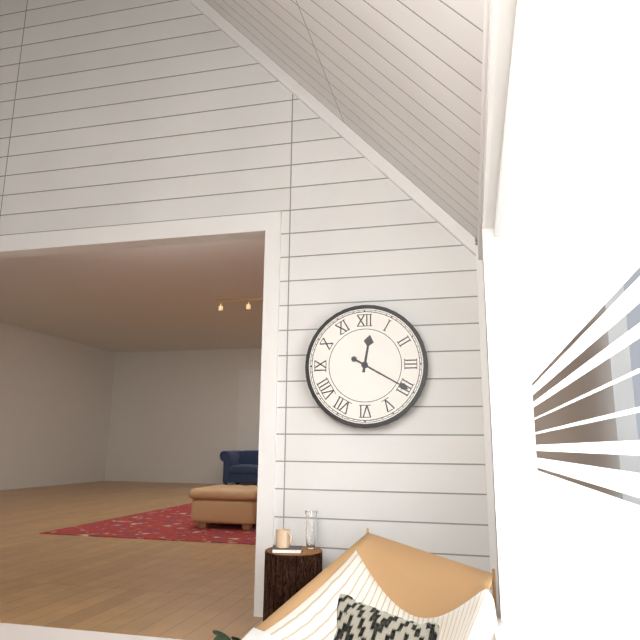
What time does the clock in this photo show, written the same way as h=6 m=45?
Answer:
h=12 m=20
